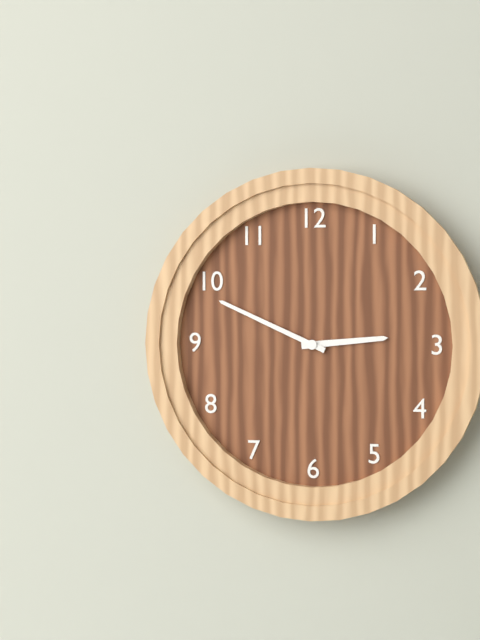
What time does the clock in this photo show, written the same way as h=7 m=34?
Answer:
h=2 m=49
